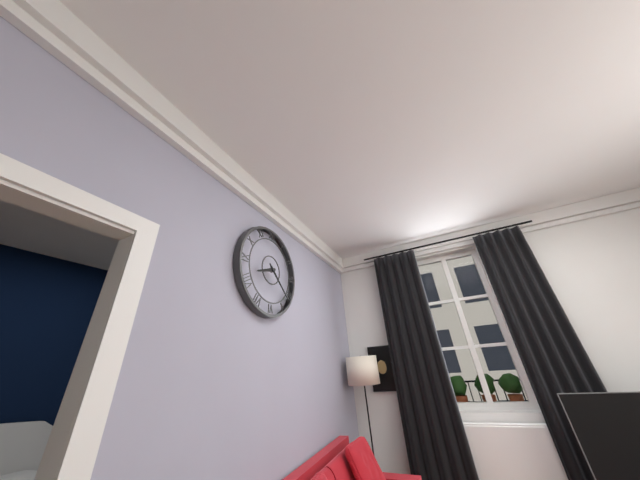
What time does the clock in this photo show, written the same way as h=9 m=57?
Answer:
h=8 m=22
